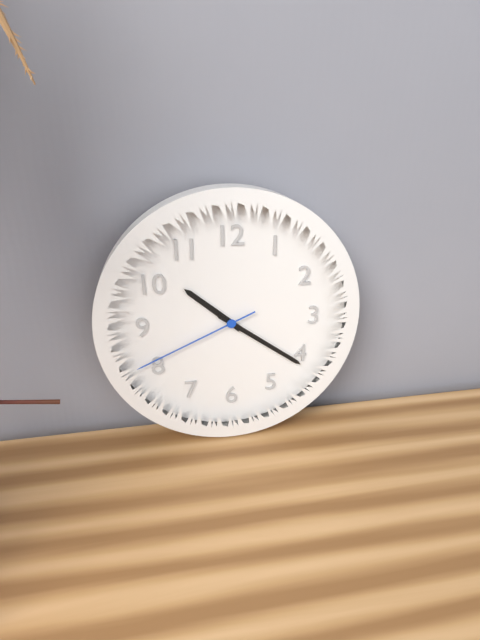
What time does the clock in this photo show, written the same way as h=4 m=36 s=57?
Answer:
h=10 m=21 s=41
